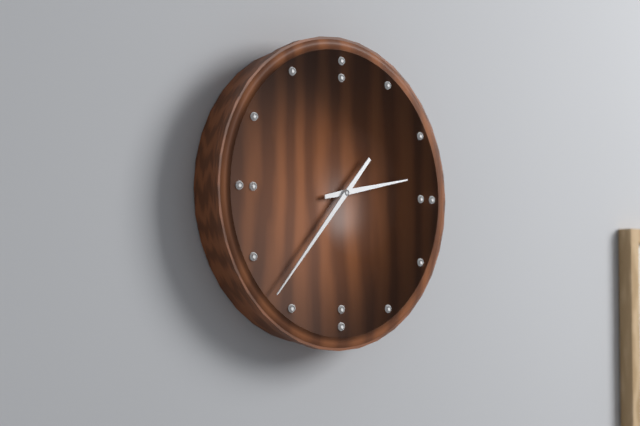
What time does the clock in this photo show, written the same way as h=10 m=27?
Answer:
h=2 m=37
